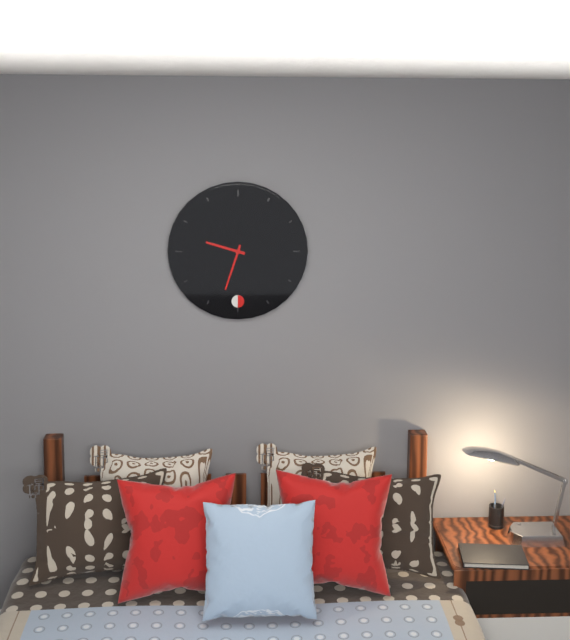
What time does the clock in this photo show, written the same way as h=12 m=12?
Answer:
h=9 m=33
